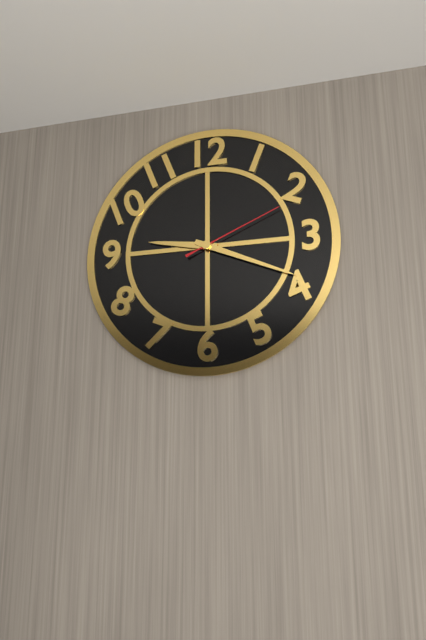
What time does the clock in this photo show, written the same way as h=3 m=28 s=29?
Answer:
h=9 m=19 s=11
